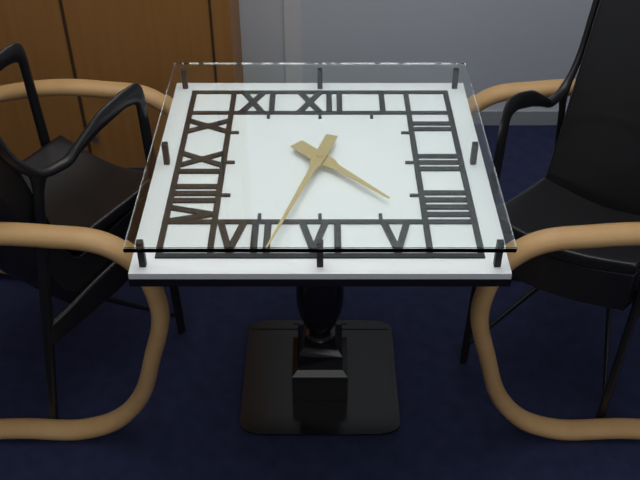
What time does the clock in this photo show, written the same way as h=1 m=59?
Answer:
h=4 m=33
